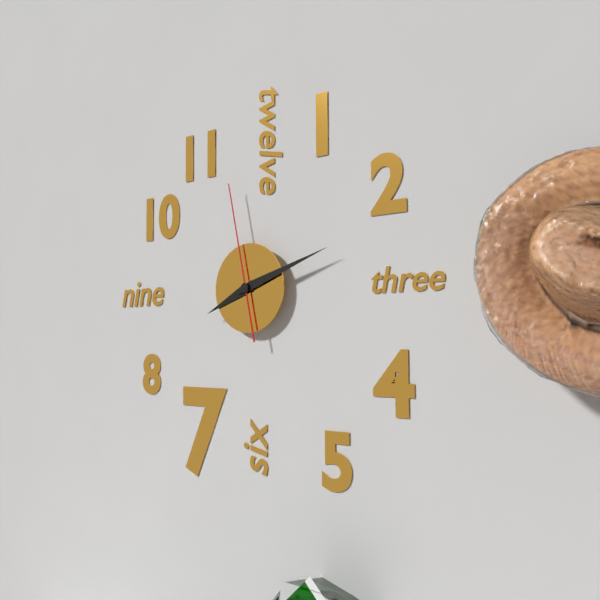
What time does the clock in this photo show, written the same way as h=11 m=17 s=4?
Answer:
h=8 m=12 s=58
